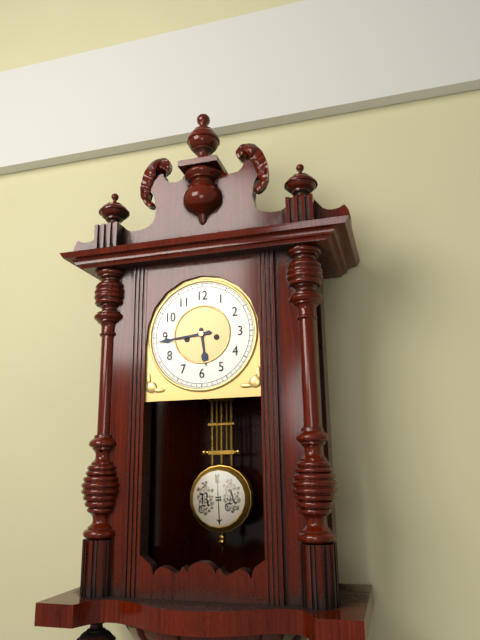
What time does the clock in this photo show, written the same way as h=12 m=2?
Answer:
h=5 m=44
